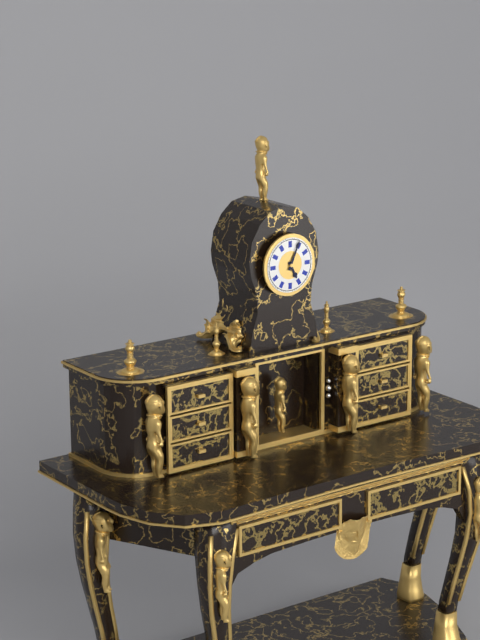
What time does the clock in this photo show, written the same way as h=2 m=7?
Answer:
h=5 m=4
